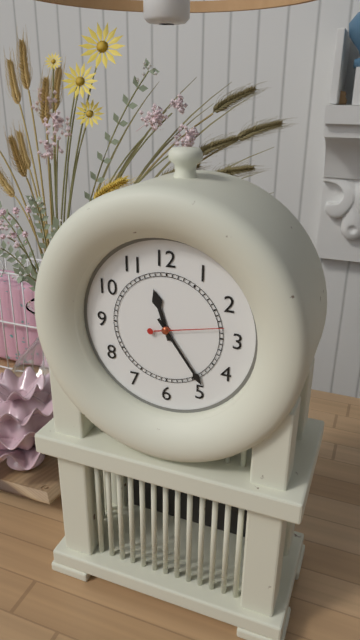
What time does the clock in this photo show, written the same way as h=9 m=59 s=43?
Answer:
h=11 m=24 s=13
